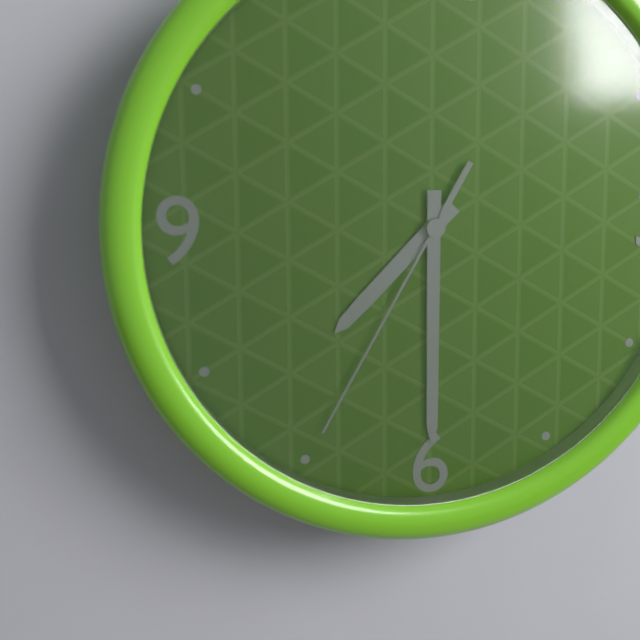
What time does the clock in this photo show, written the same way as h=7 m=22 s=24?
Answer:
h=7 m=30 s=35
